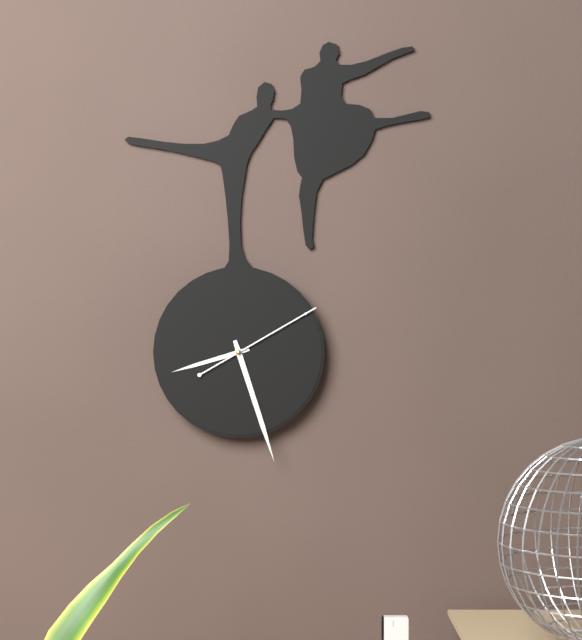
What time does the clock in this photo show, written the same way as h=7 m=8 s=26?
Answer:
h=8 m=27 s=10
